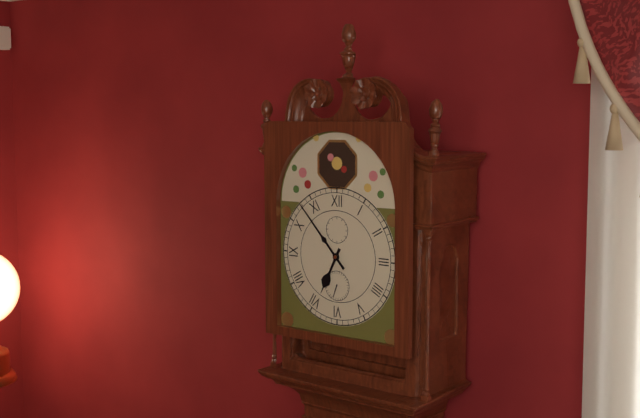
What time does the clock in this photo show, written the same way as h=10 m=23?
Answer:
h=6 m=53
